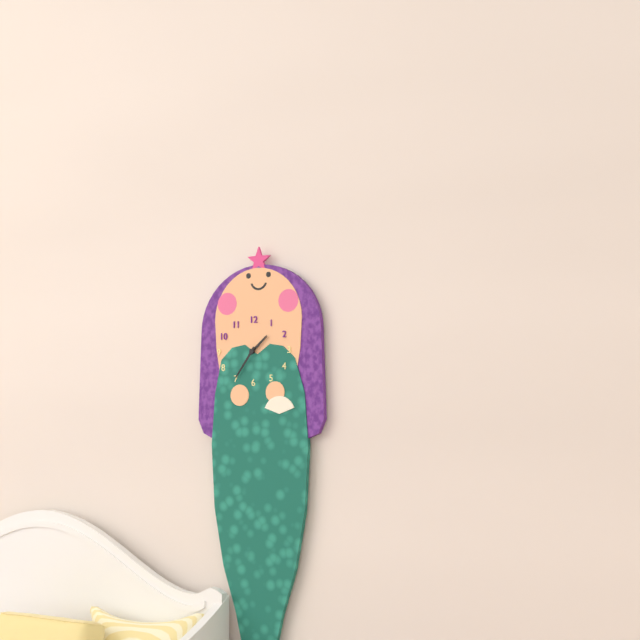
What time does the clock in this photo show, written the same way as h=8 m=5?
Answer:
h=1 m=36
